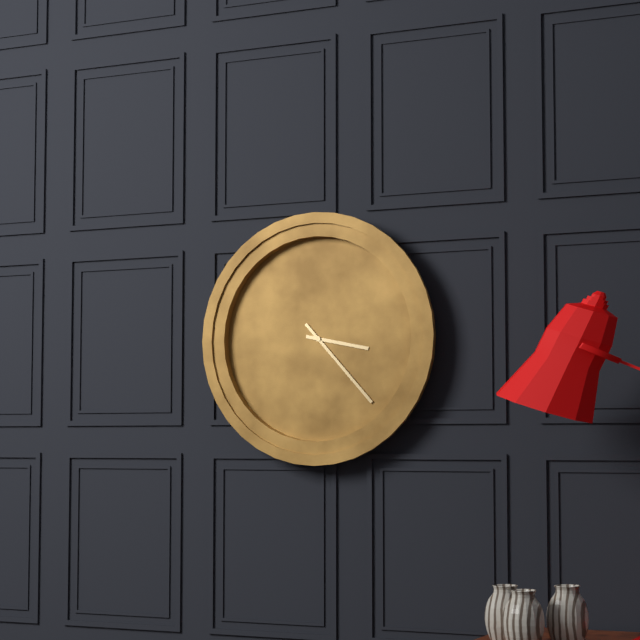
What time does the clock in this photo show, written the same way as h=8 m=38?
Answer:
h=3 m=23
